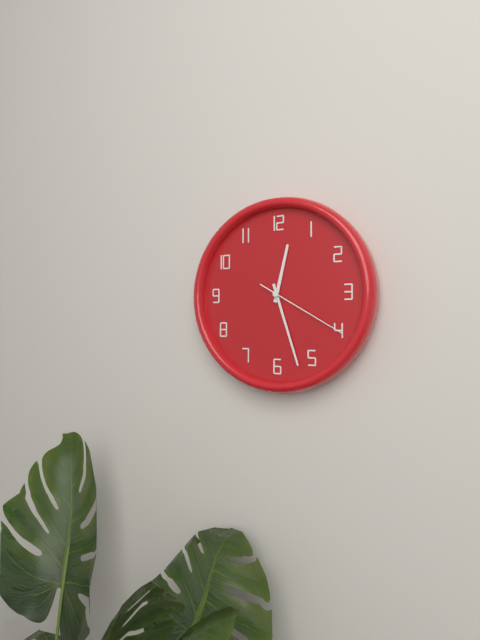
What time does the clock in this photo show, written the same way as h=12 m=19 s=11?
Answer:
h=12 m=27 s=20
